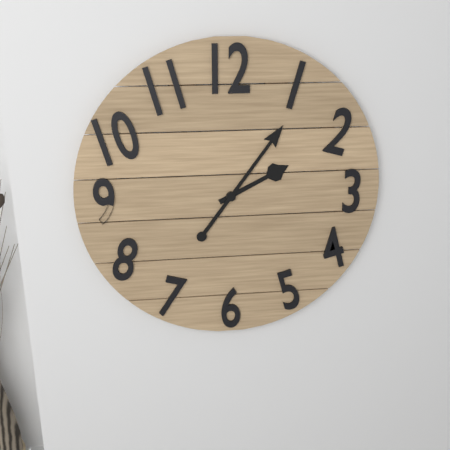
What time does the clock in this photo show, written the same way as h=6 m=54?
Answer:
h=2 m=6
